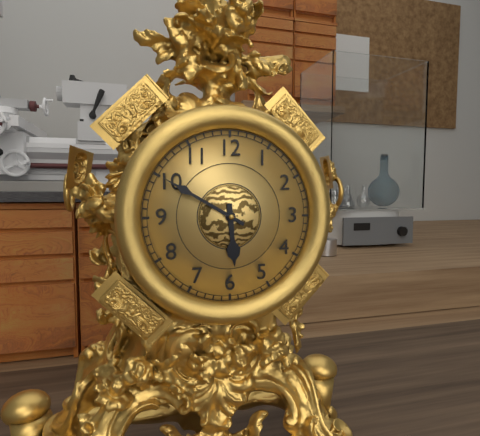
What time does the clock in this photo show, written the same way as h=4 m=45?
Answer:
h=5 m=50
